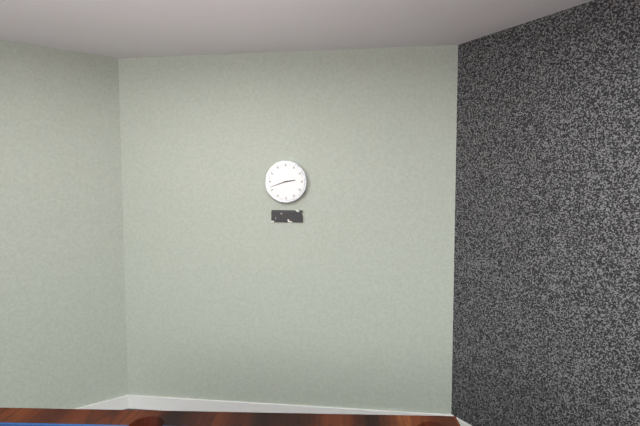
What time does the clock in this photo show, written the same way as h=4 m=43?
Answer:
h=2 m=42
